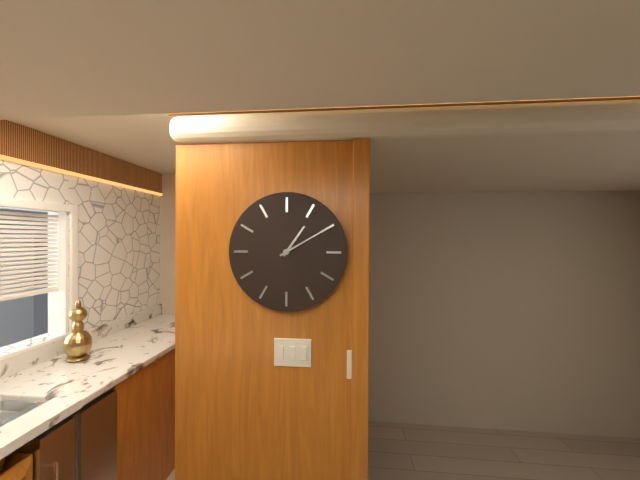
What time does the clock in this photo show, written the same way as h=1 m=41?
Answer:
h=1 m=10
